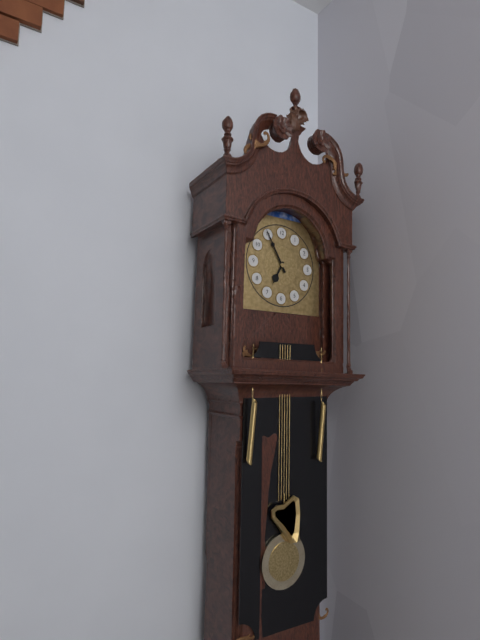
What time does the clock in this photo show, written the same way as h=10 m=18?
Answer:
h=6 m=55
